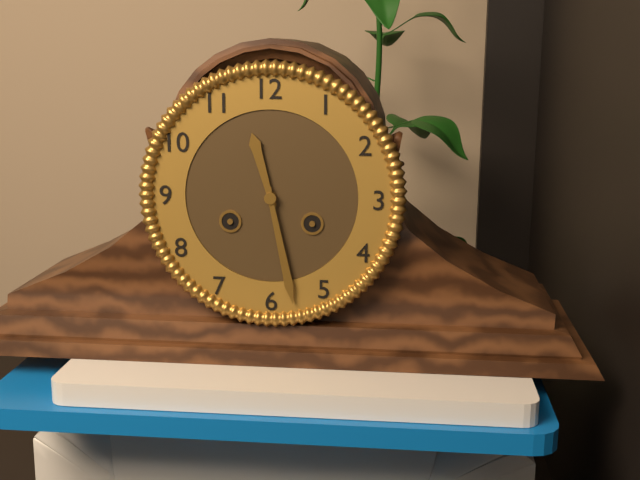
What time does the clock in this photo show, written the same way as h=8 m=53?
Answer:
h=11 m=28
